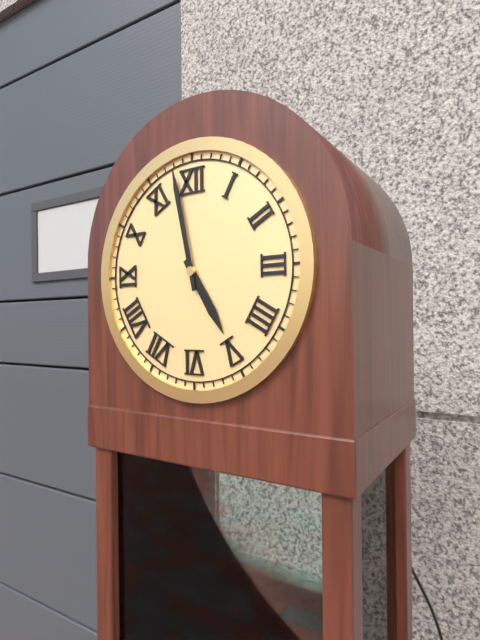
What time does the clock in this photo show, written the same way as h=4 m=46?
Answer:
h=4 m=58
